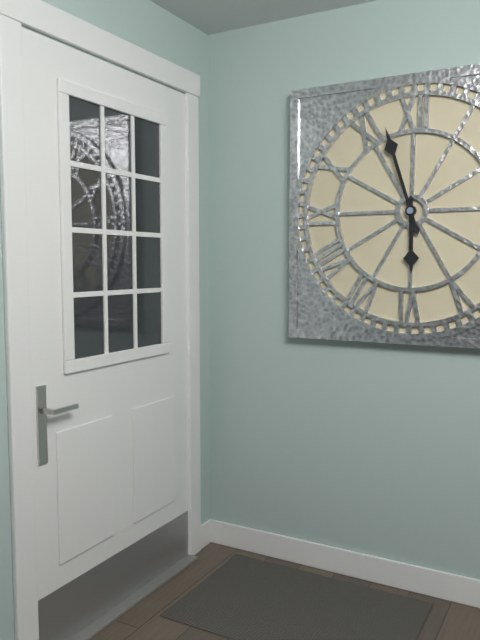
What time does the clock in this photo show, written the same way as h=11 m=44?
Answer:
h=5 m=57
